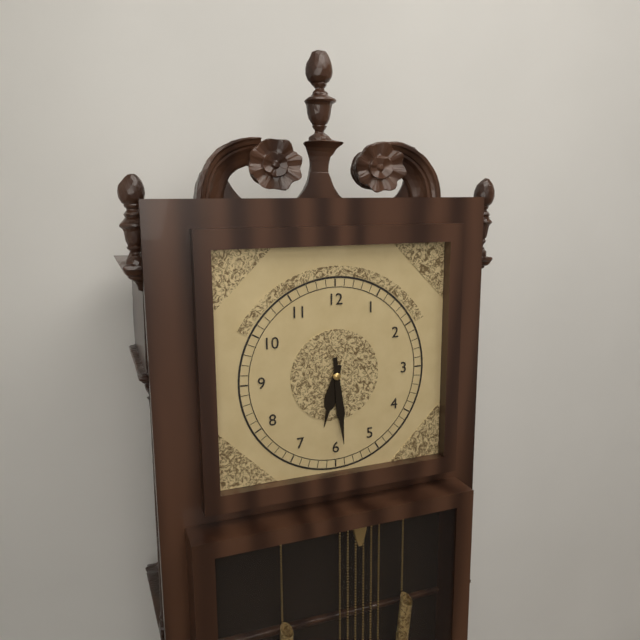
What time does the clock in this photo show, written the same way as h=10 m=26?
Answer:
h=6 m=29
